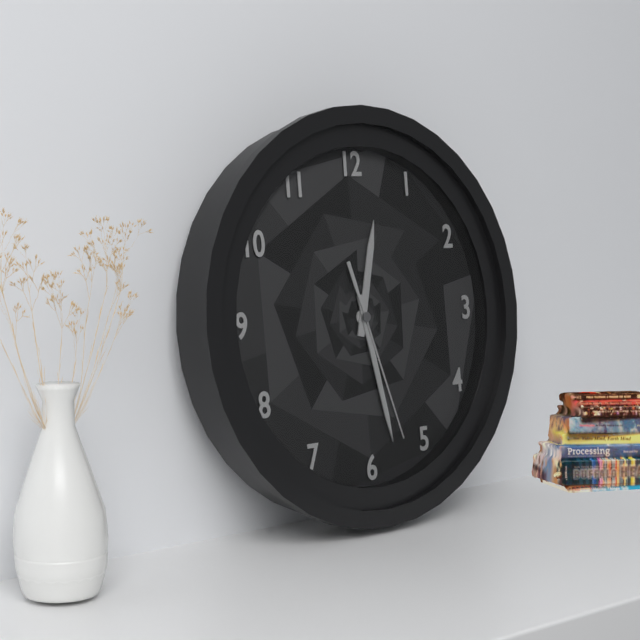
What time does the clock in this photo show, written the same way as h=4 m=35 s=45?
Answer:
h=12 m=28 s=27
